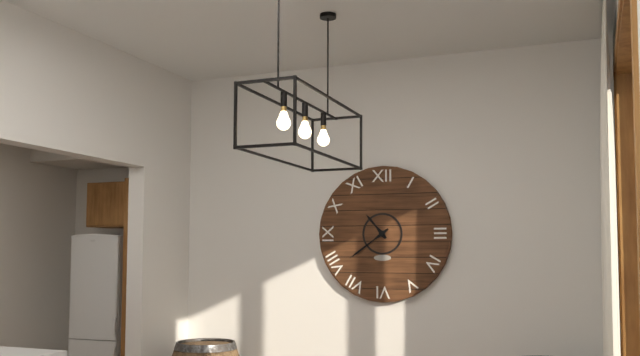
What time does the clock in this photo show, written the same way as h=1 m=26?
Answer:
h=10 m=39
